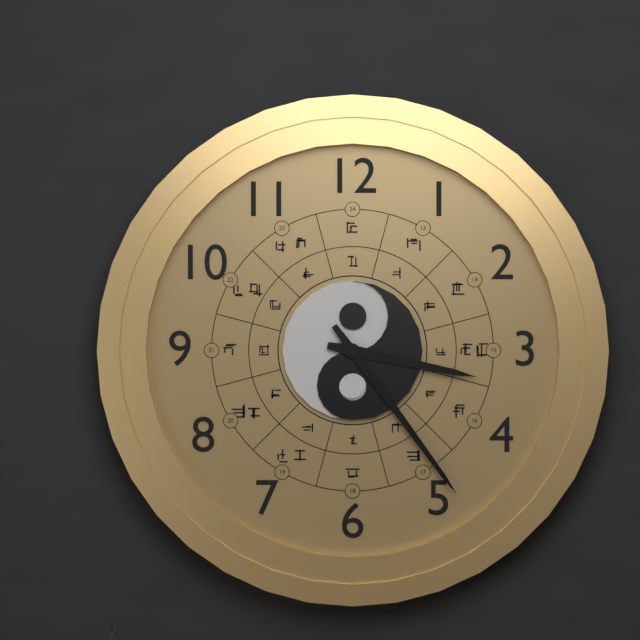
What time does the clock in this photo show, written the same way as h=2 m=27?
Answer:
h=3 m=24
